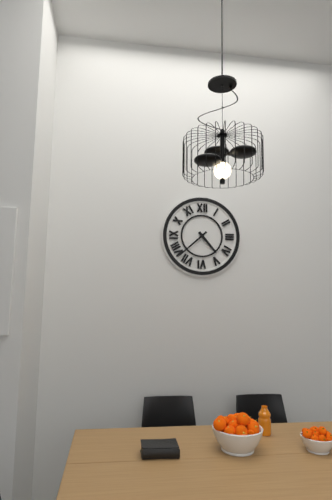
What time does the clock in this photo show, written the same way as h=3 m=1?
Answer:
h=4 m=38
